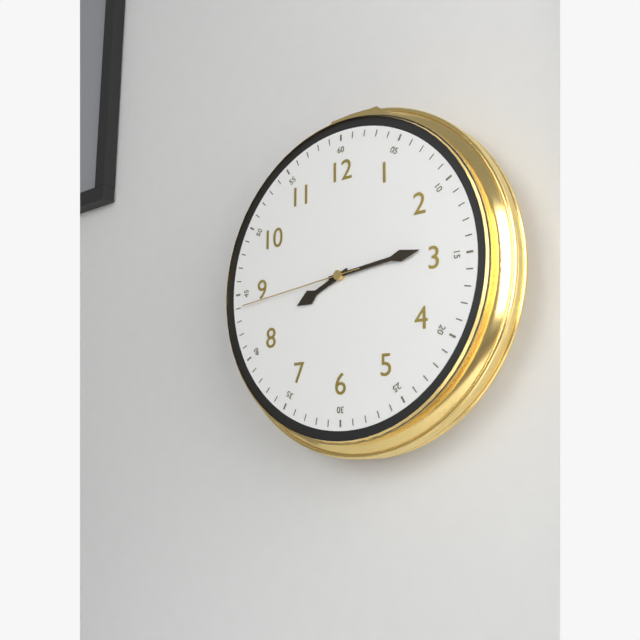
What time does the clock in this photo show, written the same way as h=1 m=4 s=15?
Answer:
h=8 m=14 s=44
